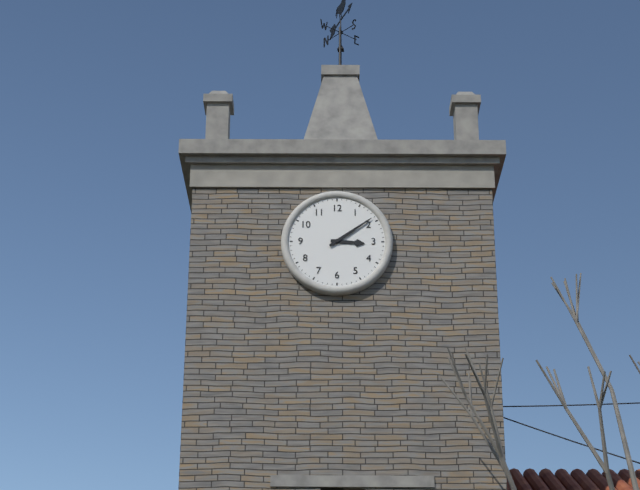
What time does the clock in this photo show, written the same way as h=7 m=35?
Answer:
h=3 m=9
